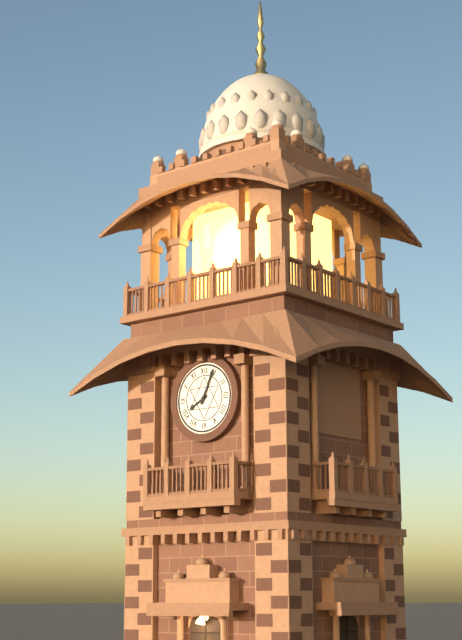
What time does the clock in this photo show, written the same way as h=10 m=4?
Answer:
h=8 m=4
